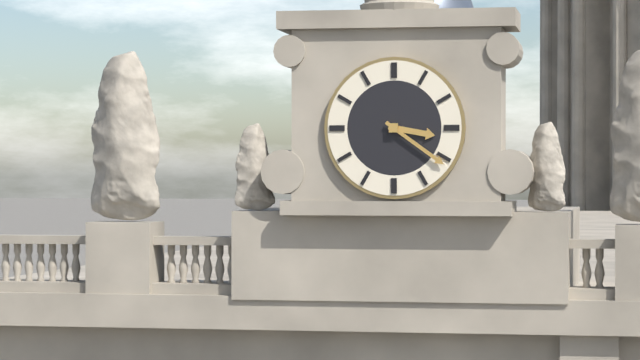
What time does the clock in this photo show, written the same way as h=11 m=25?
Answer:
h=3 m=21
